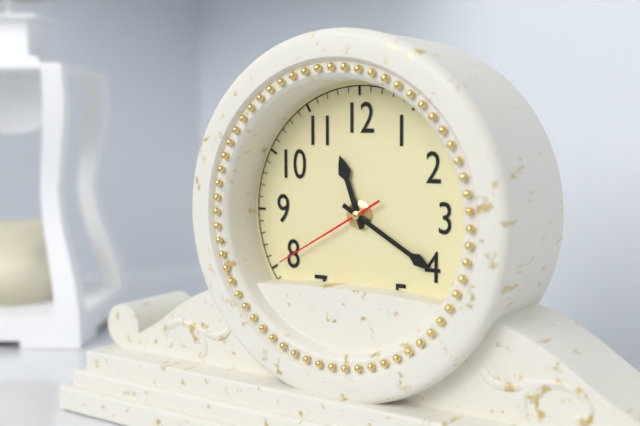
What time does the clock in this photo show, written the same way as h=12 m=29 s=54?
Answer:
h=11 m=20 s=40
